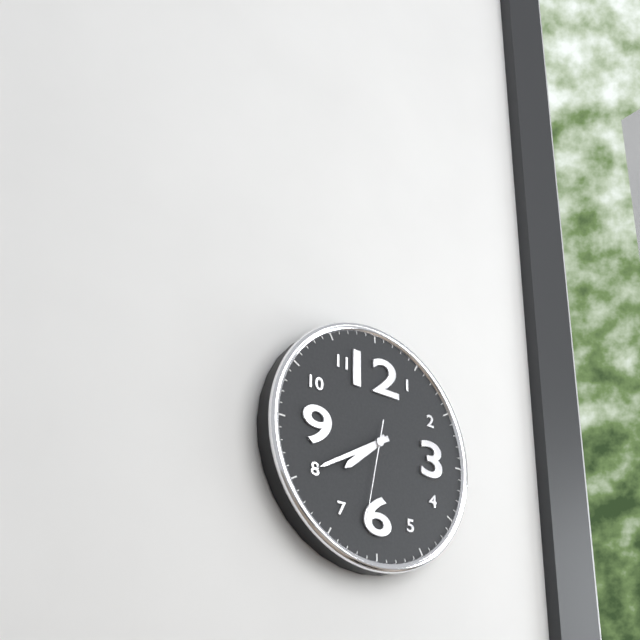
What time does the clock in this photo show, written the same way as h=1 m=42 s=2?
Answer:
h=7 m=40 s=32
